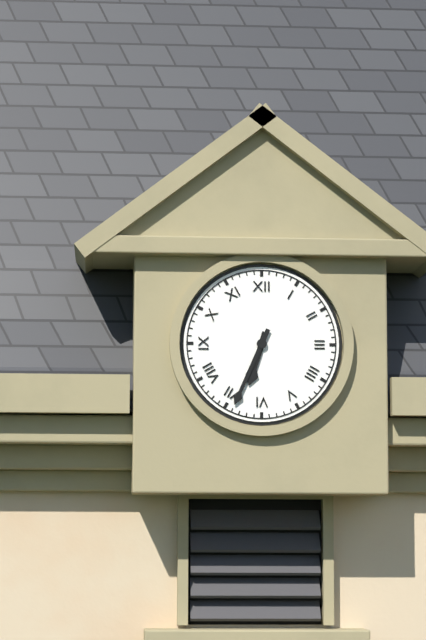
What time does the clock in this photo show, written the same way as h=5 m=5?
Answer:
h=6 m=34
